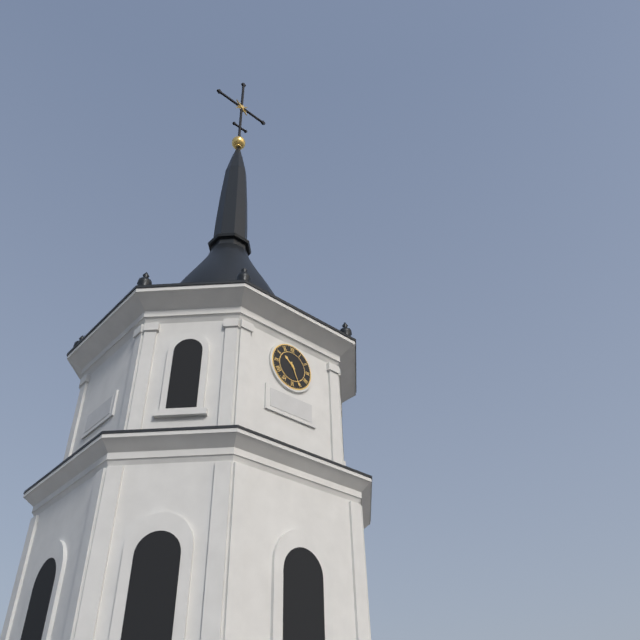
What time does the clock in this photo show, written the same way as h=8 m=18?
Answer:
h=10 m=26
